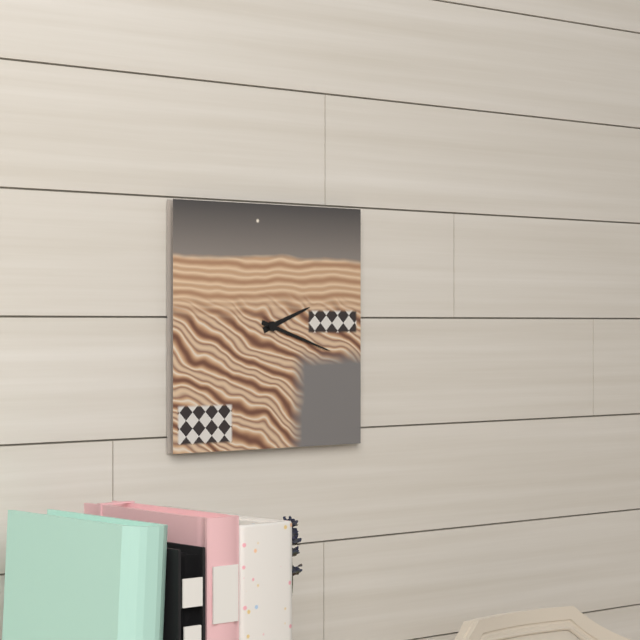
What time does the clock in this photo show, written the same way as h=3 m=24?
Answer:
h=2 m=18
